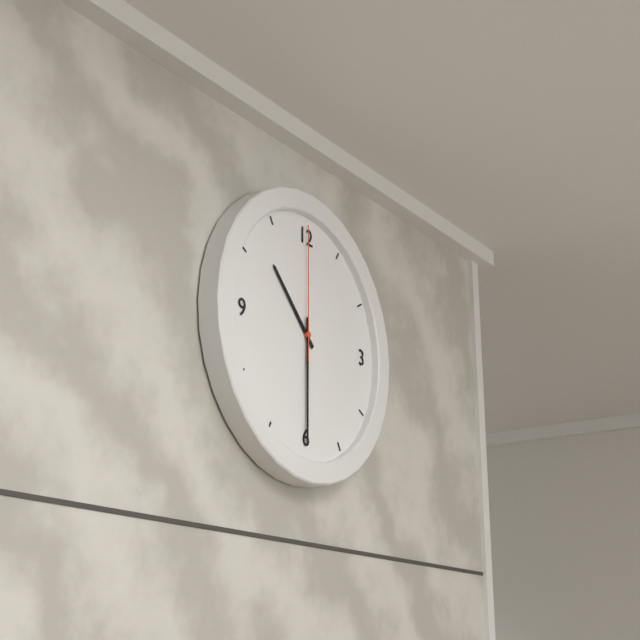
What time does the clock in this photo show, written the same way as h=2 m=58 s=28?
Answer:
h=10 m=30 s=0
